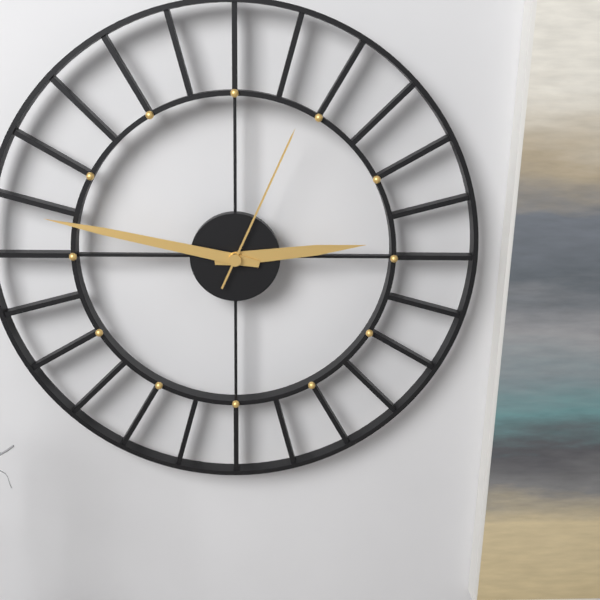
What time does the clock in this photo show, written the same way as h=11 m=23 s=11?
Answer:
h=2 m=47 s=4
